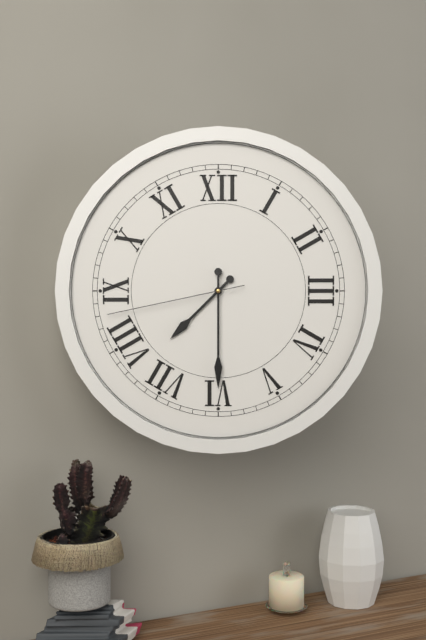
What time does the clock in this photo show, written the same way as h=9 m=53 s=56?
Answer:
h=7 m=30 s=43
